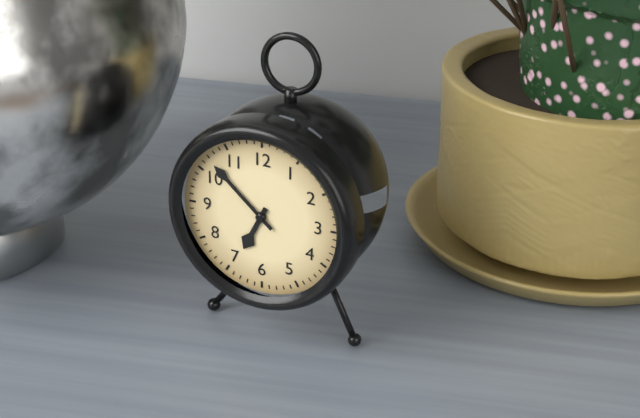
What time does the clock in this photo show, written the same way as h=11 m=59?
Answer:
h=6 m=52
